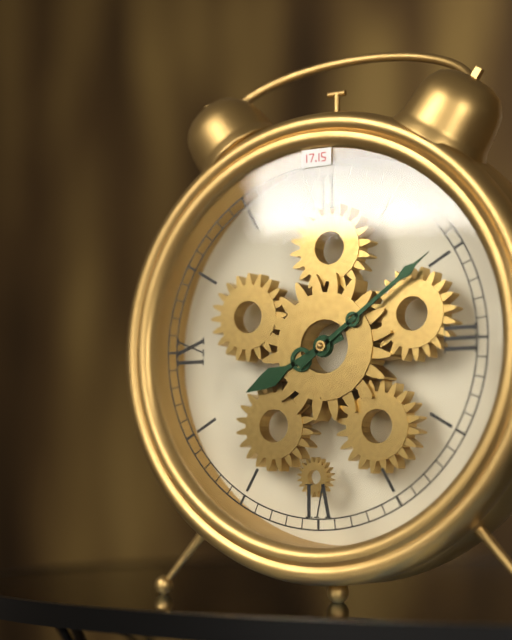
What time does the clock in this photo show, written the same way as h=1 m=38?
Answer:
h=8 m=9
